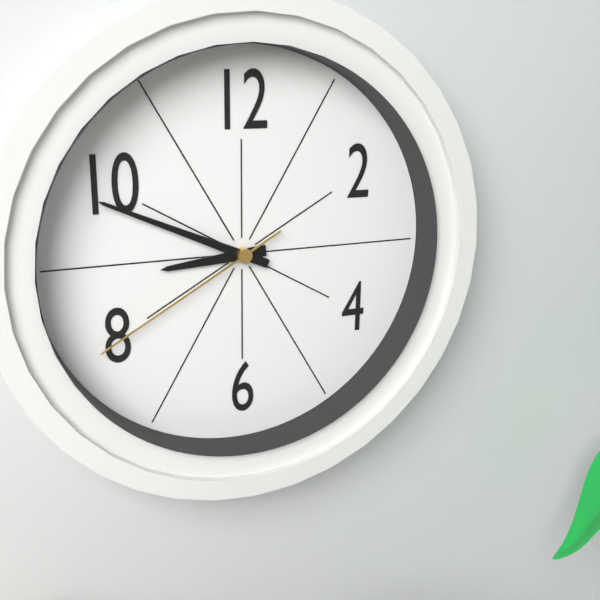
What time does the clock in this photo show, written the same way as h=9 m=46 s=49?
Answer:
h=8 m=49 s=40
